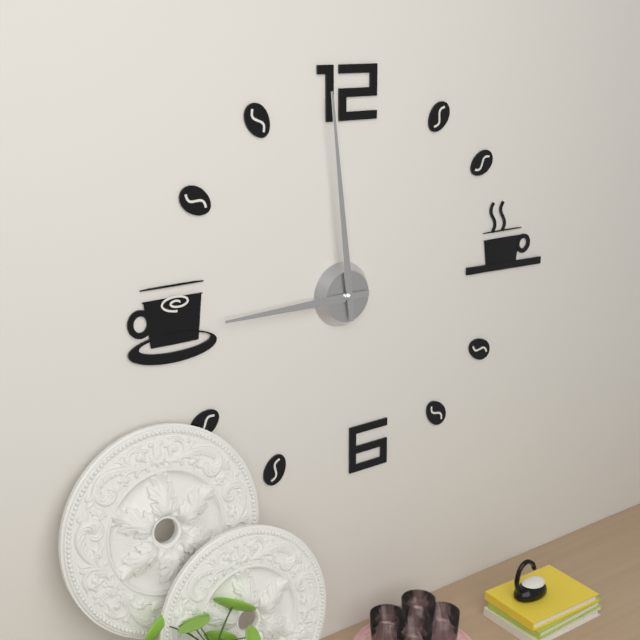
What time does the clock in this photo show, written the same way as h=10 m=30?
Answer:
h=8 m=59
